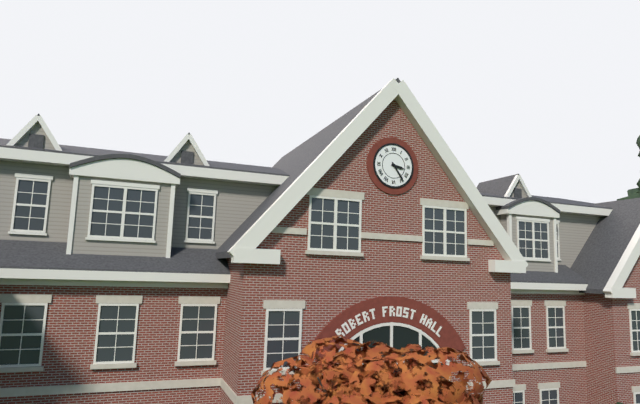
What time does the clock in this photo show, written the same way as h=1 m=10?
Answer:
h=3 m=24
